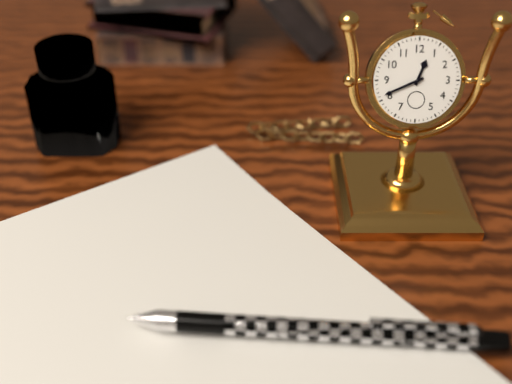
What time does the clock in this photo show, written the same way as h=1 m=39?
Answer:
h=12 m=41
